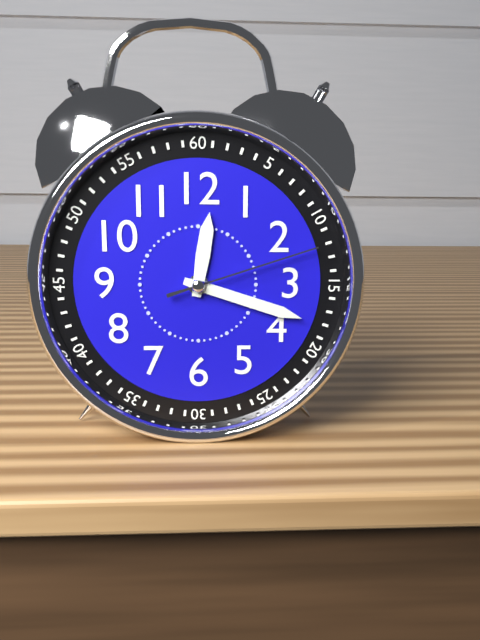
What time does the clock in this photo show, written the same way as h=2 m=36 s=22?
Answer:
h=12 m=18 s=12
